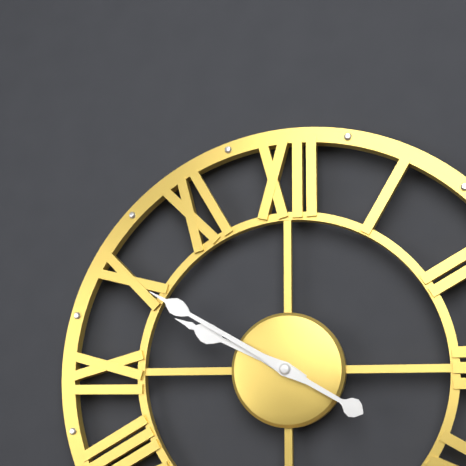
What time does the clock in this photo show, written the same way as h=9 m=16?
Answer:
h=9 m=50
